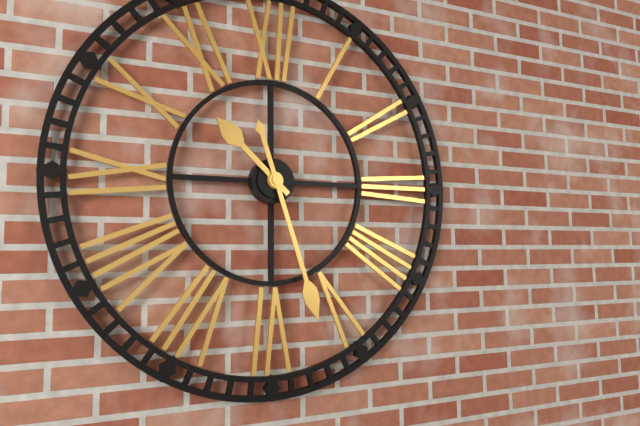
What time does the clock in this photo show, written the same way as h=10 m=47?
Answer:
h=10 m=27
